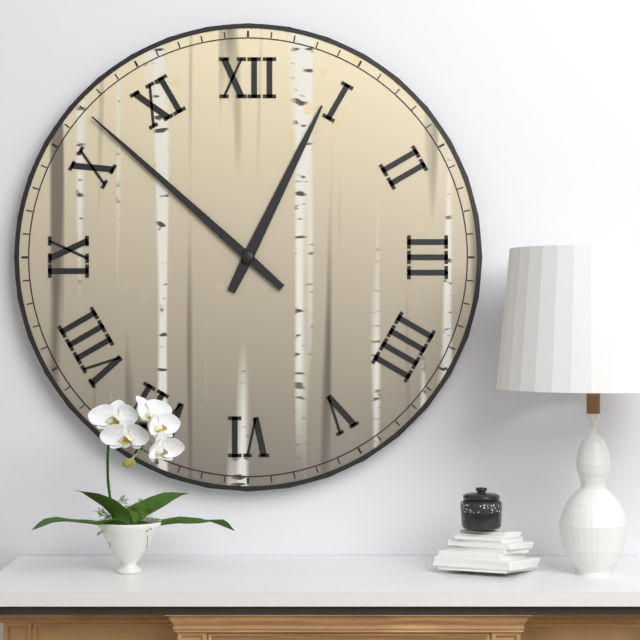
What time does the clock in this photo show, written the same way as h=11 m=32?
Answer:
h=12 m=52
